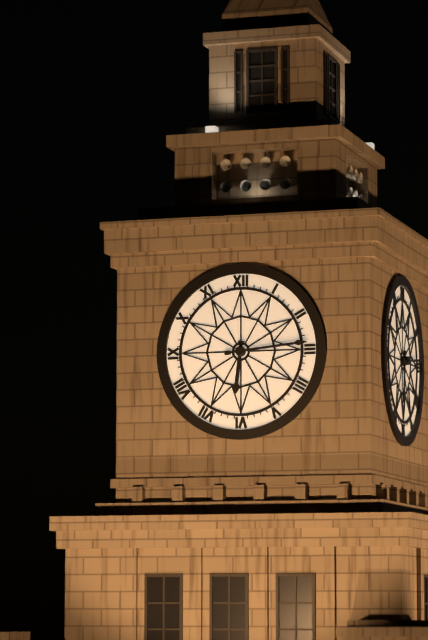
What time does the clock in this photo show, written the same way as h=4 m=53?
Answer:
h=6 m=14
